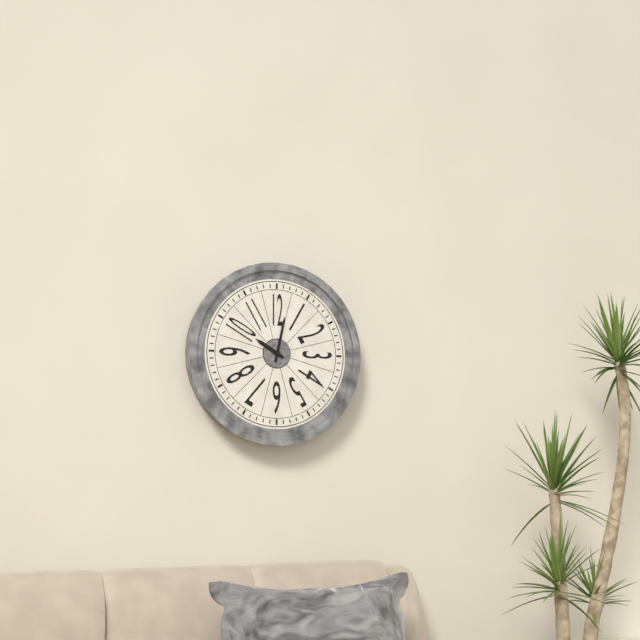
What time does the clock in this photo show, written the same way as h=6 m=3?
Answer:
h=10 m=2
